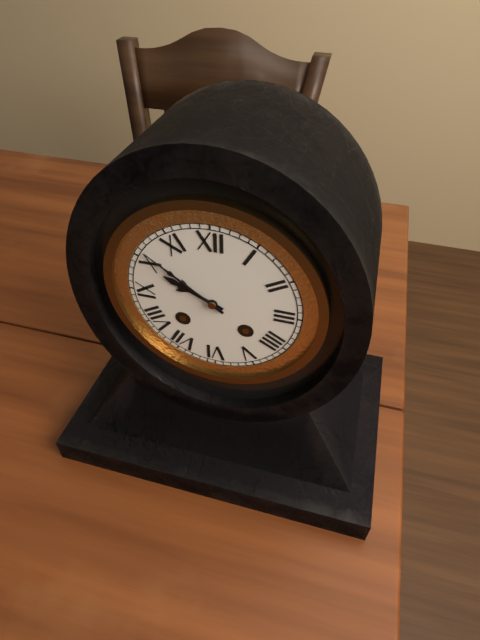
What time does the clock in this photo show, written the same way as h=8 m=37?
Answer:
h=9 m=51
